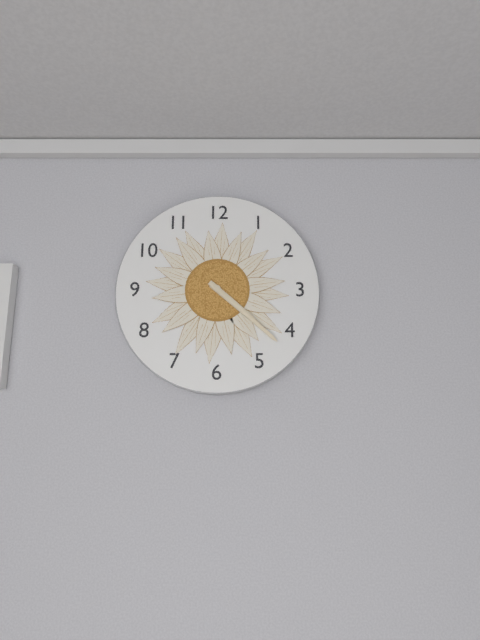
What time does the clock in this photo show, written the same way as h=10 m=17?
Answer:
h=4 m=22
